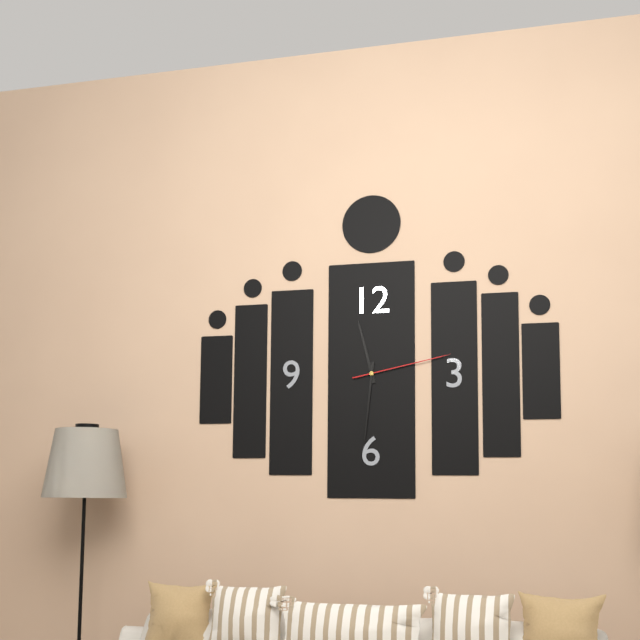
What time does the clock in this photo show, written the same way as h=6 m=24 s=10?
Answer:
h=11 m=31 s=13
